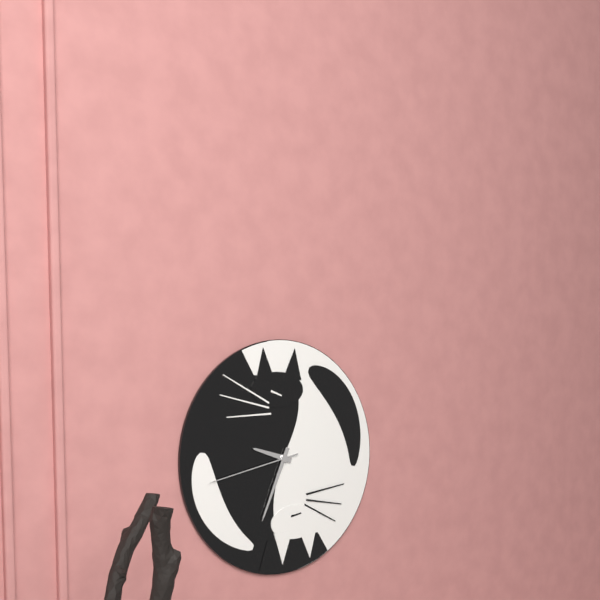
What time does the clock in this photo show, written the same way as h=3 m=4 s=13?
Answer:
h=9 m=34 s=43
